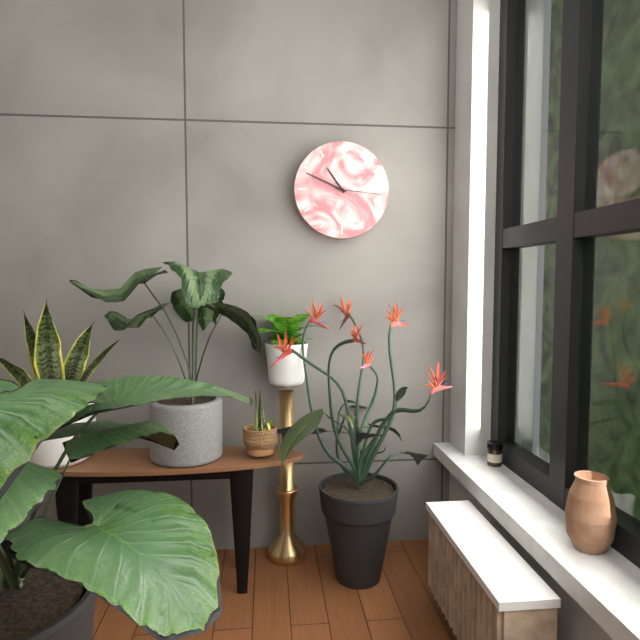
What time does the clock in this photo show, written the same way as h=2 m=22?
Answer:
h=10 m=49
